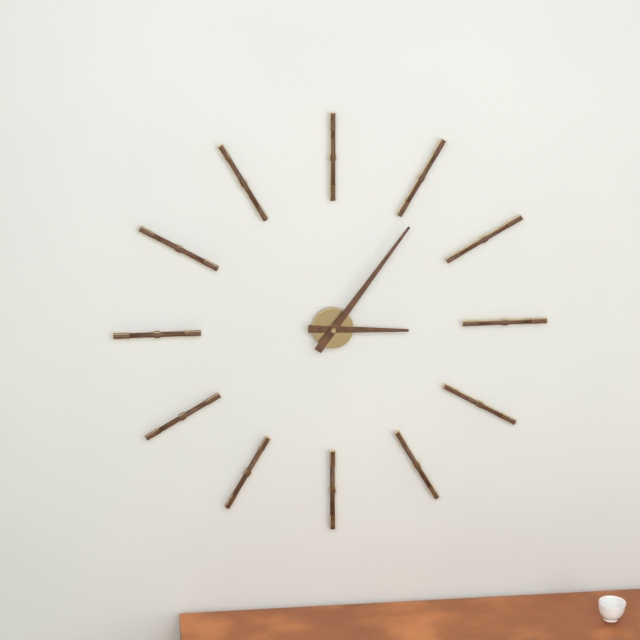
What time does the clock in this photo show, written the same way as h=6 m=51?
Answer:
h=3 m=6
